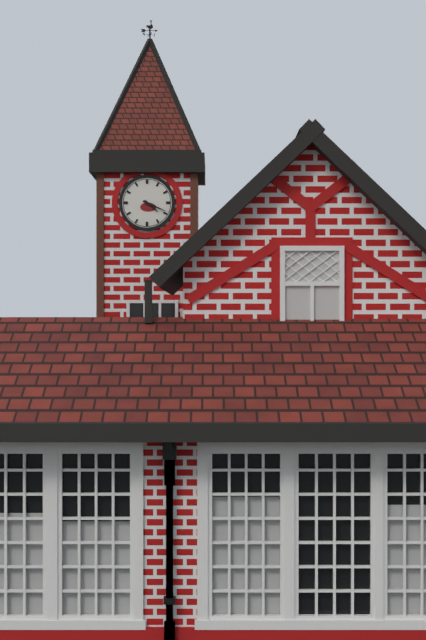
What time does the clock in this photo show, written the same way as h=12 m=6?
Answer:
h=4 m=19
